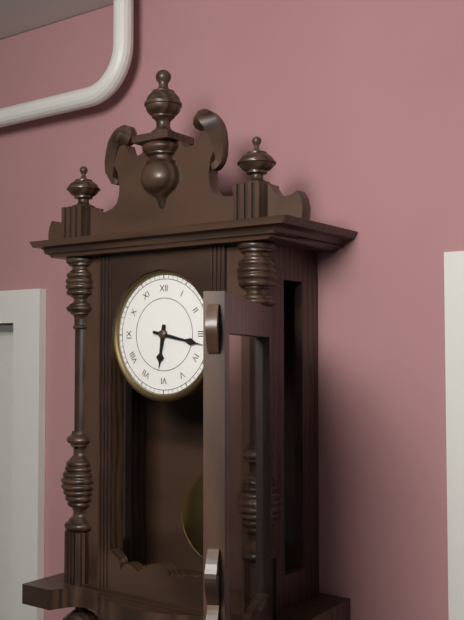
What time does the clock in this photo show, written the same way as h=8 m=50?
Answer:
h=6 m=17
